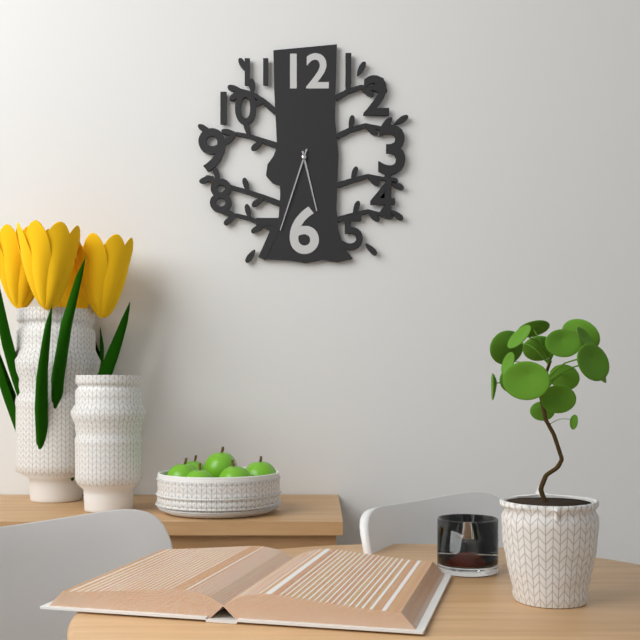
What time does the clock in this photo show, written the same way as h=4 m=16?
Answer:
h=5 m=33
